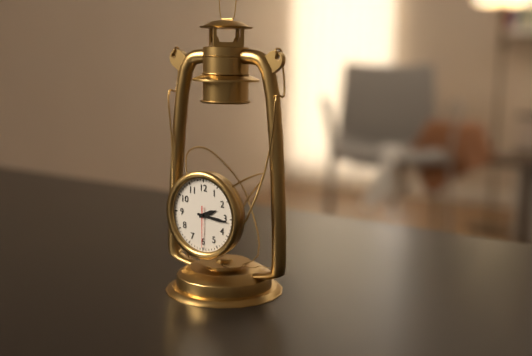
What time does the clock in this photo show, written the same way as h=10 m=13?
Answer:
h=2 m=16
